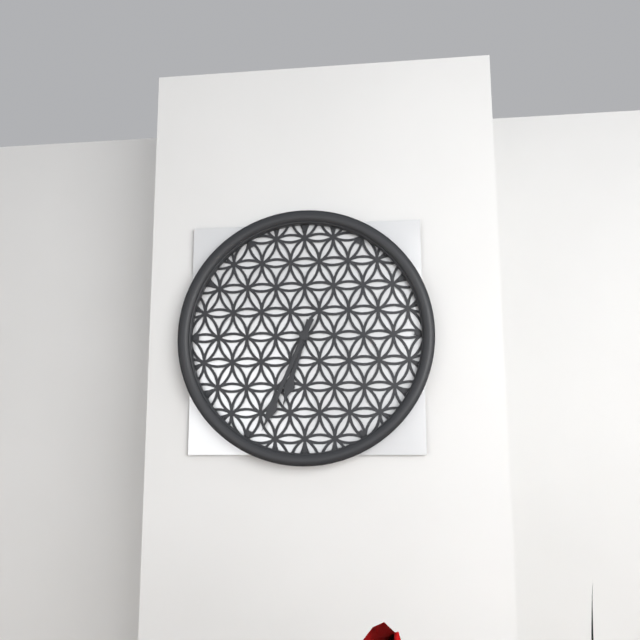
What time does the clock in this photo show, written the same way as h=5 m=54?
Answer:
h=6 m=34
